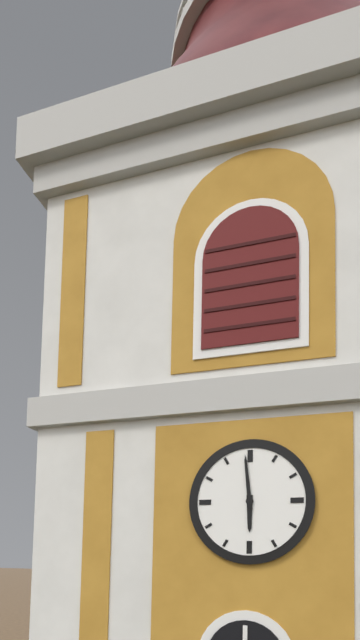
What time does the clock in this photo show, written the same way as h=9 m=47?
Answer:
h=5 m=59
